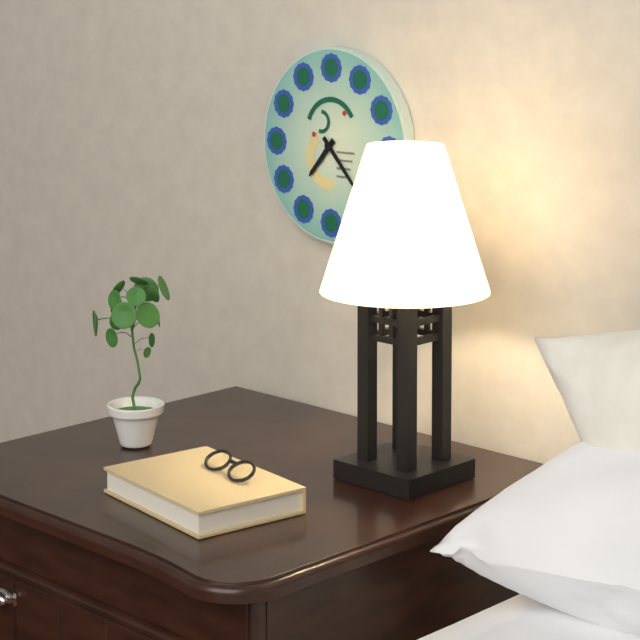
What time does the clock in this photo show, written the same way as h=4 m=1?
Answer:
h=7 m=23
